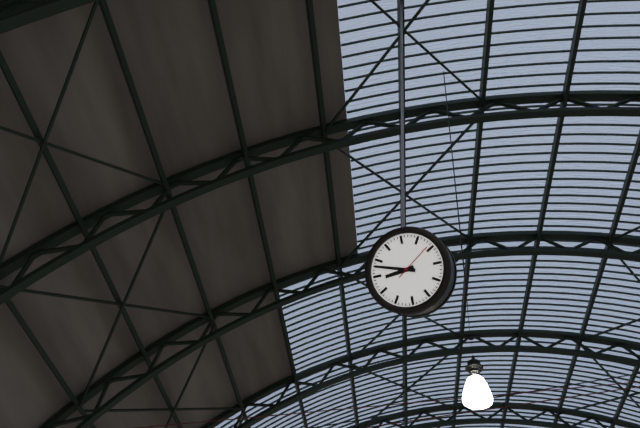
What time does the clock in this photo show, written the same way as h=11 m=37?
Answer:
h=8 m=48
